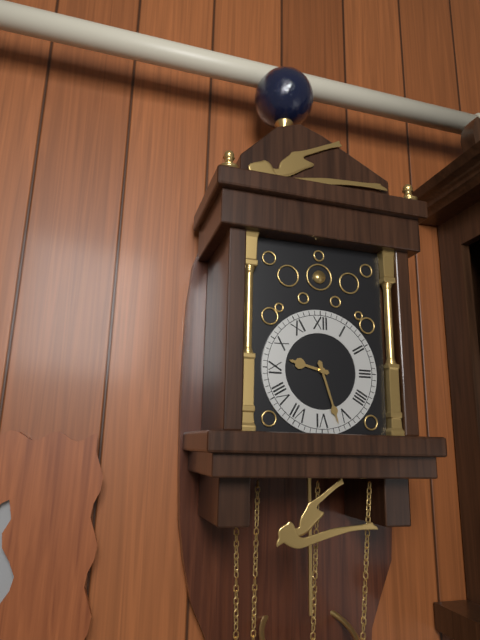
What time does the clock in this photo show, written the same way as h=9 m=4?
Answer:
h=9 m=27
